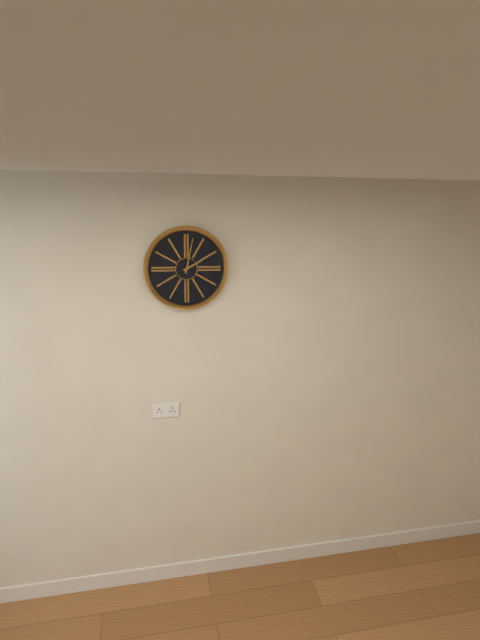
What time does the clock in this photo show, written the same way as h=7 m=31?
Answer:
h=2 m=2
